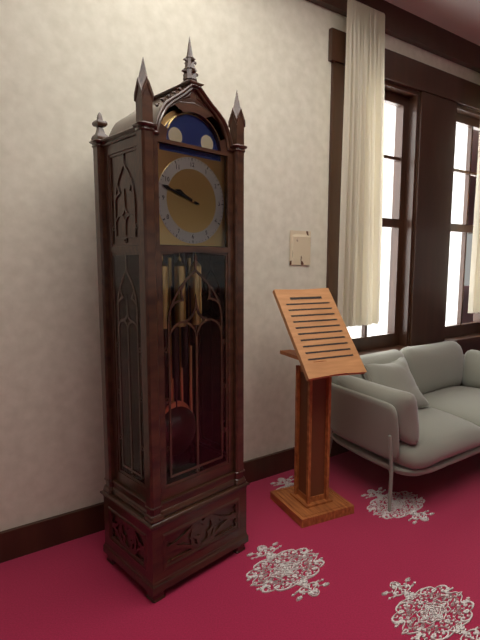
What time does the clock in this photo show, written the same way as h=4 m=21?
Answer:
h=9 m=48
